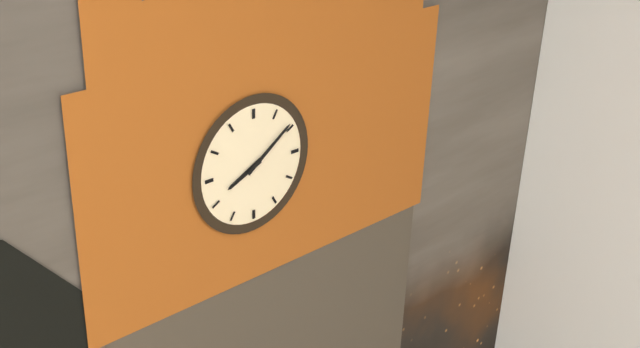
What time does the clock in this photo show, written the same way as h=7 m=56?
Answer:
h=8 m=9
